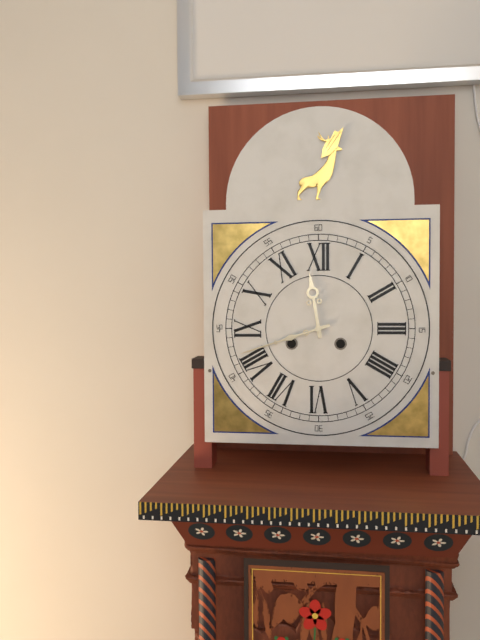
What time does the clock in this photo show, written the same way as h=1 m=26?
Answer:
h=11 m=42
